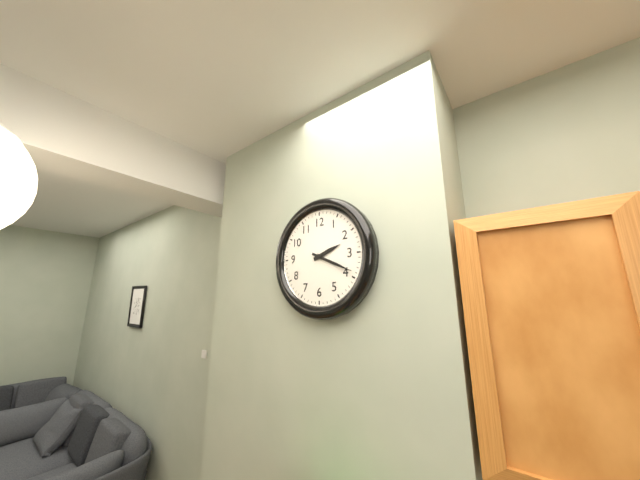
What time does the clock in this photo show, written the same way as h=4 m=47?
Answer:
h=2 m=19
